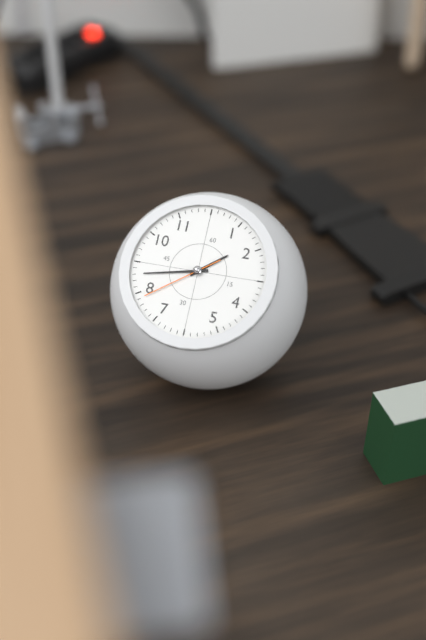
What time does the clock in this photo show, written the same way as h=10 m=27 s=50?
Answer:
h=1 m=43 s=39
